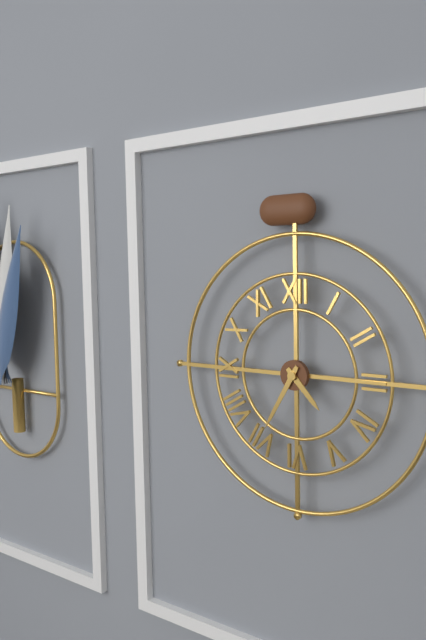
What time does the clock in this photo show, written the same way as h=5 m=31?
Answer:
h=4 m=35
